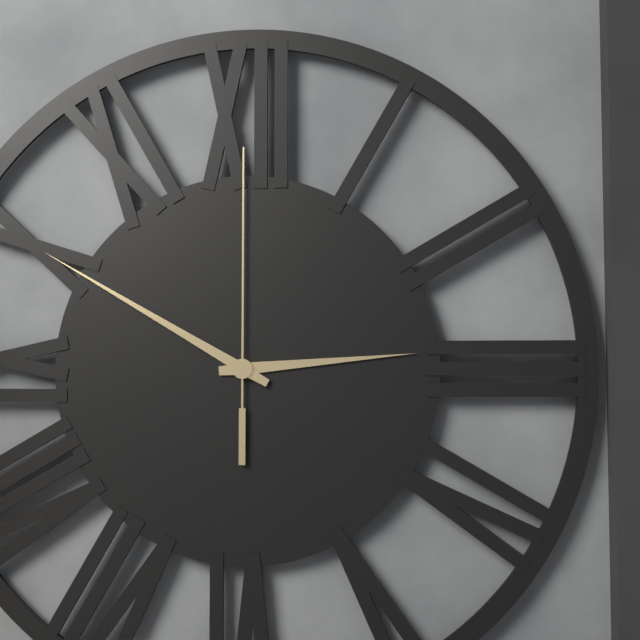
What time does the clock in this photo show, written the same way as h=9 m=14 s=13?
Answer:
h=2 m=50 s=0
